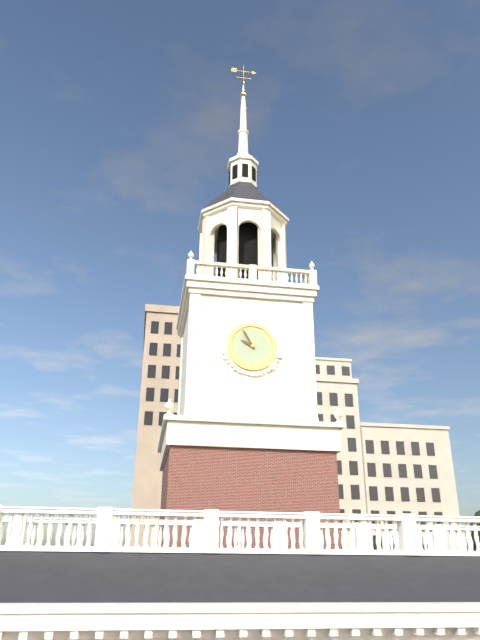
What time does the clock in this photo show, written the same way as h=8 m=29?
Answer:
h=9 m=55
